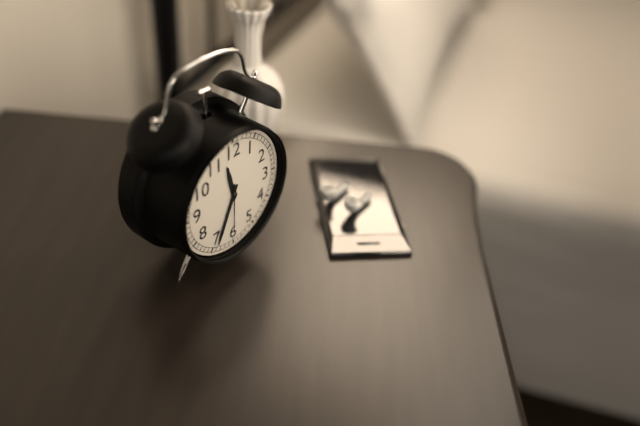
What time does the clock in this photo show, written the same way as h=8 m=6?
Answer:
h=11 m=34
